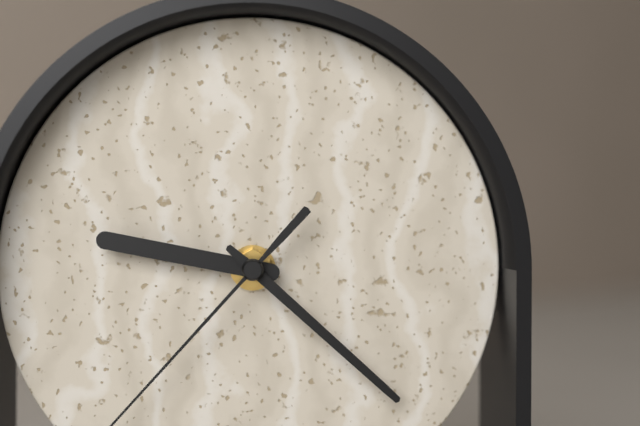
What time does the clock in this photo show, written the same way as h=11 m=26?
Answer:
h=9 m=22
